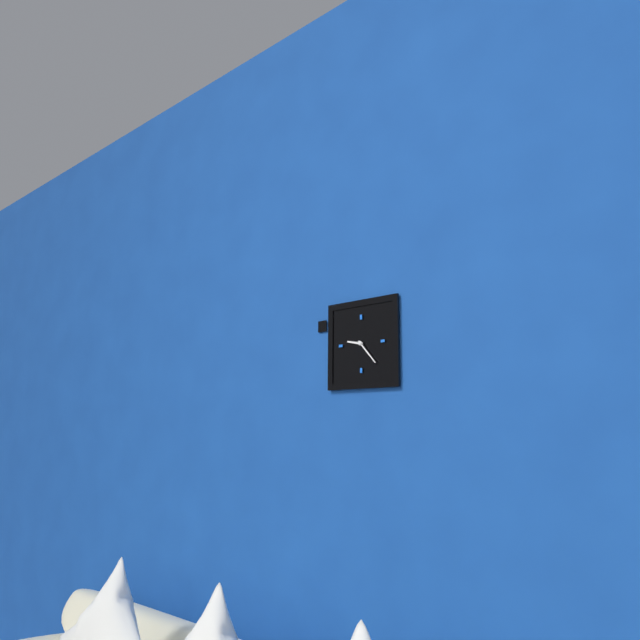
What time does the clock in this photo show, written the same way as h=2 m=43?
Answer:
h=9 m=23
